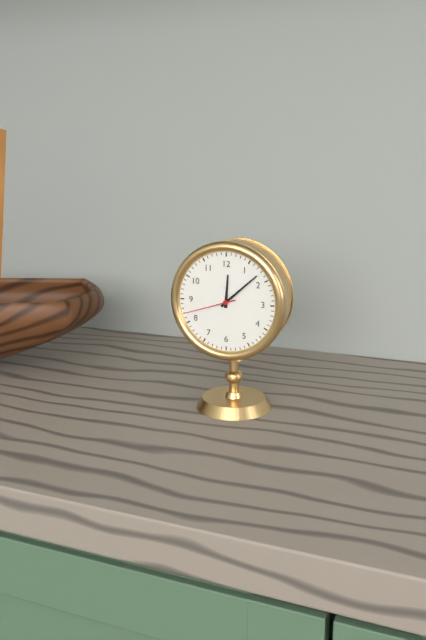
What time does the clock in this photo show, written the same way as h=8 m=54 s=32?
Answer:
h=12 m=8 s=42
